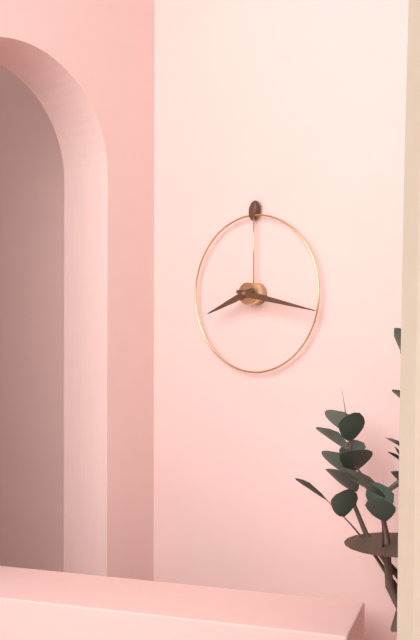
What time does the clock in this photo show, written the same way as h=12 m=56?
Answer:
h=8 m=17
